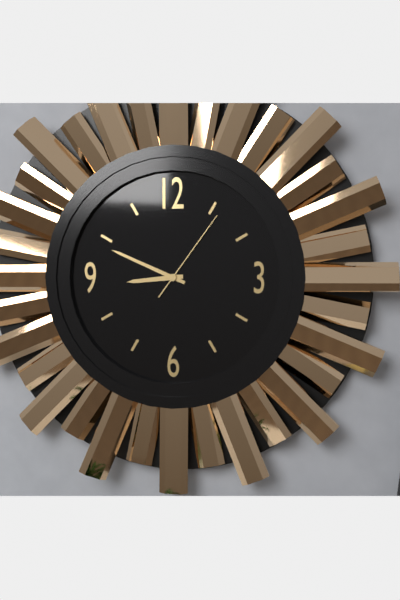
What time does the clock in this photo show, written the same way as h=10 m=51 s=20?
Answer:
h=8 m=49 s=6
